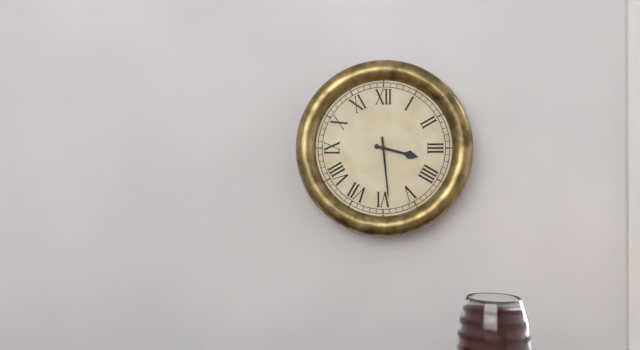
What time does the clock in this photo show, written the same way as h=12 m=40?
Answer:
h=3 m=29
